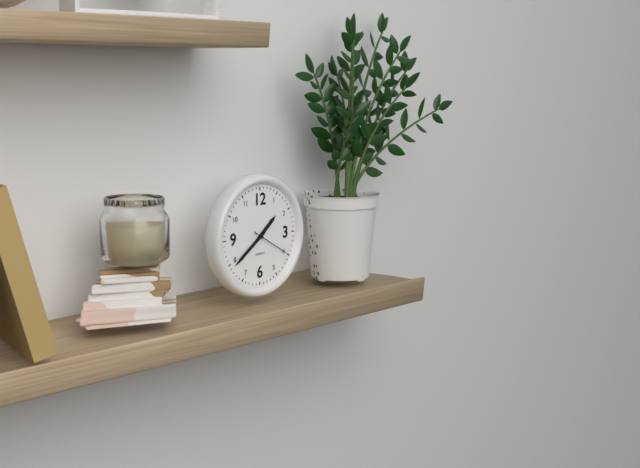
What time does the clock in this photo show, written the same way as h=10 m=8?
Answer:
h=1 m=39
